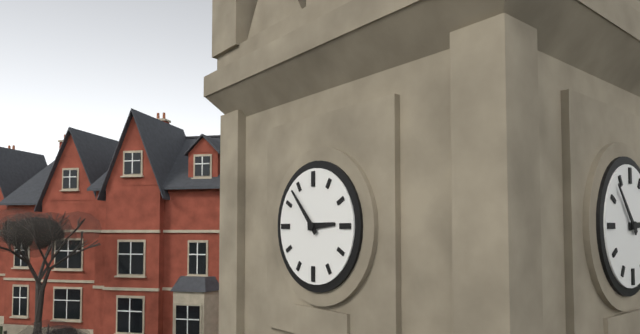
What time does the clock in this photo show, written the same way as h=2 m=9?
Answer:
h=2 m=53
